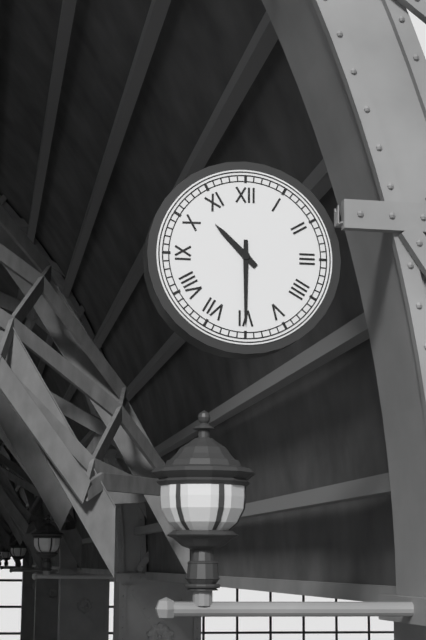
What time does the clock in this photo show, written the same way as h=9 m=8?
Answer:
h=10 m=30
